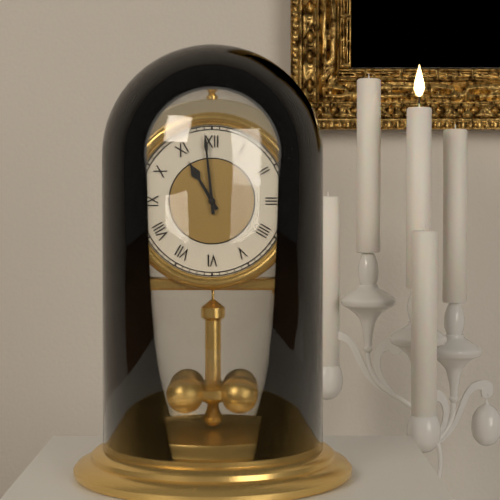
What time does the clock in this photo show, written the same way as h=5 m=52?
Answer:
h=10 m=59
